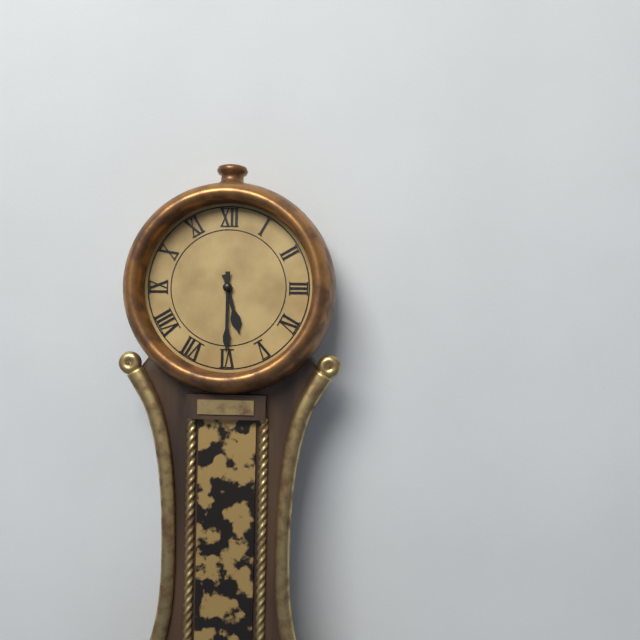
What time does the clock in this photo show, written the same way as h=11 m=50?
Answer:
h=5 m=30
